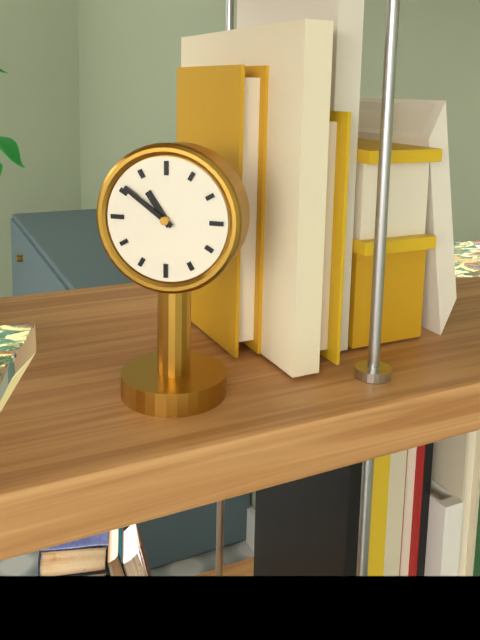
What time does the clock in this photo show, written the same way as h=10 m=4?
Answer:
h=10 m=51
